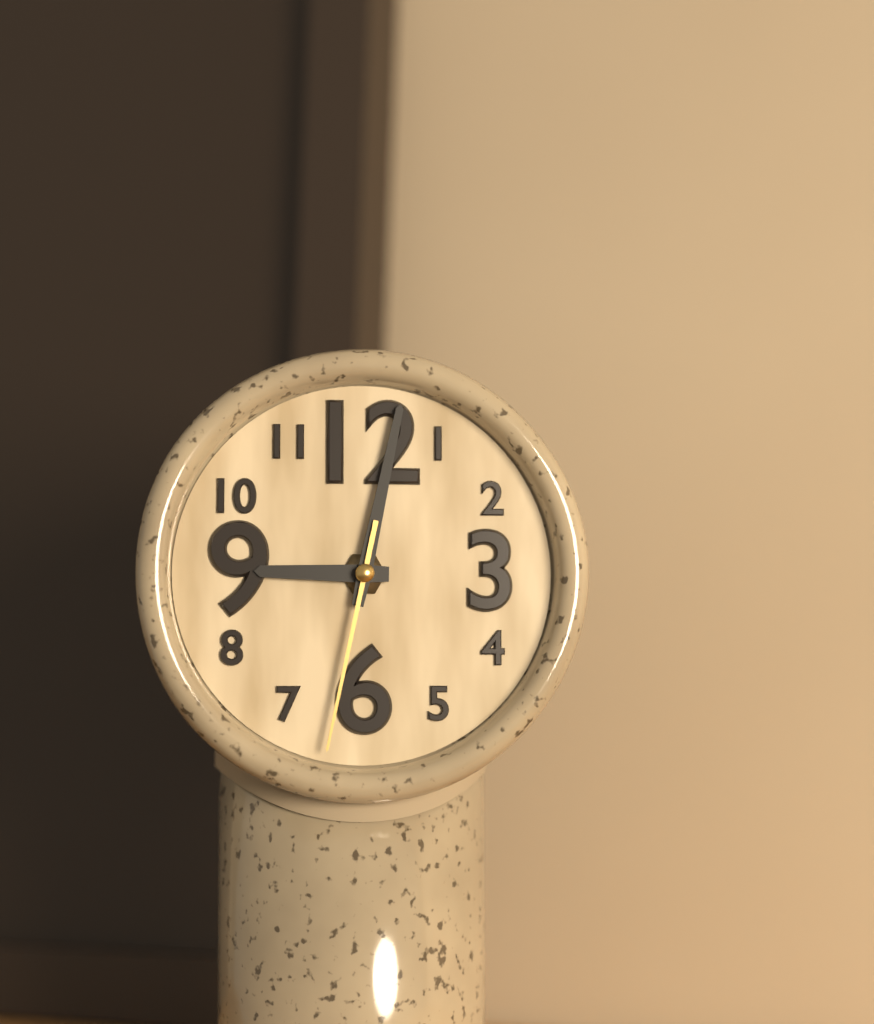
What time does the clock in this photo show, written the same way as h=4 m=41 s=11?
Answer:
h=9 m=2 s=32
